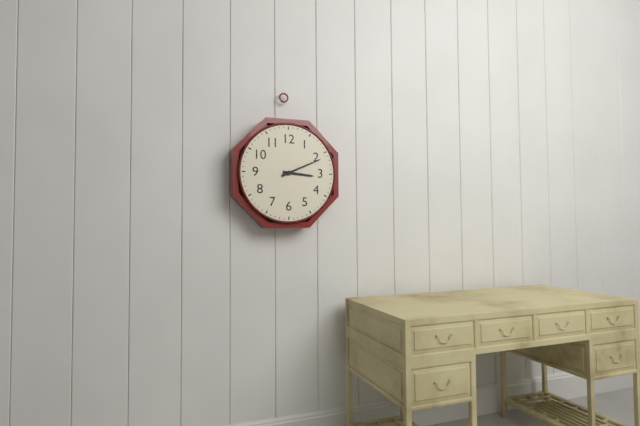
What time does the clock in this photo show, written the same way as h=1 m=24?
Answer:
h=3 m=11
